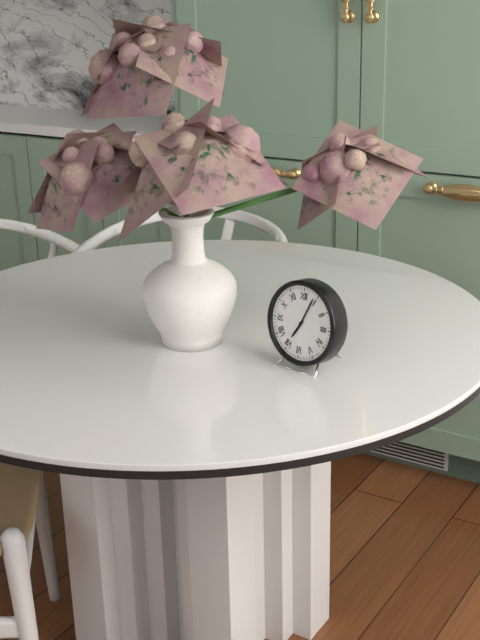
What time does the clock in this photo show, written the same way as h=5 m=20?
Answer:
h=7 m=4
